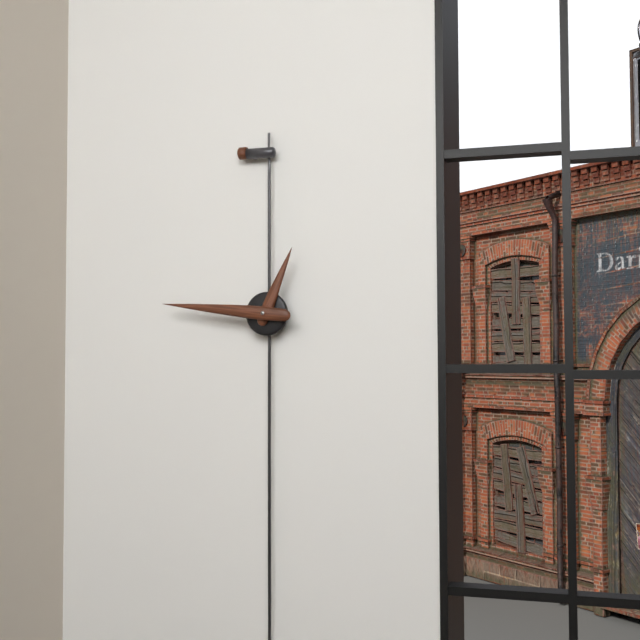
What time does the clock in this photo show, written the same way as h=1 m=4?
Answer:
h=12 m=46
